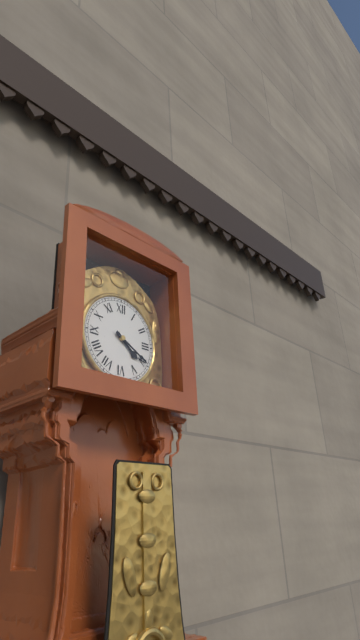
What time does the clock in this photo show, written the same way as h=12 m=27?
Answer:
h=4 m=20
